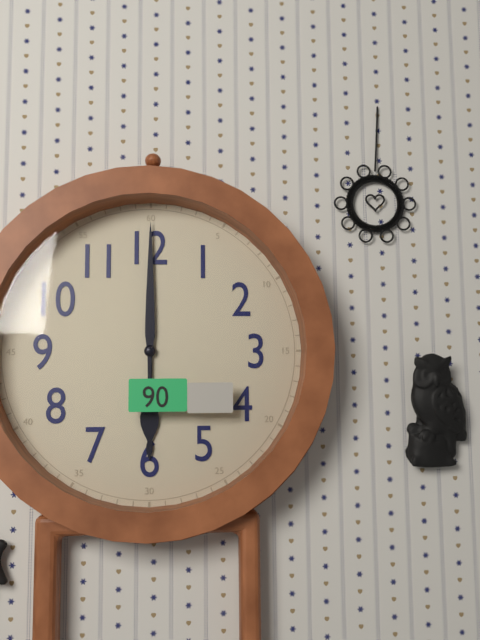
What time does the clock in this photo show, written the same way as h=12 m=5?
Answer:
h=6 m=0
